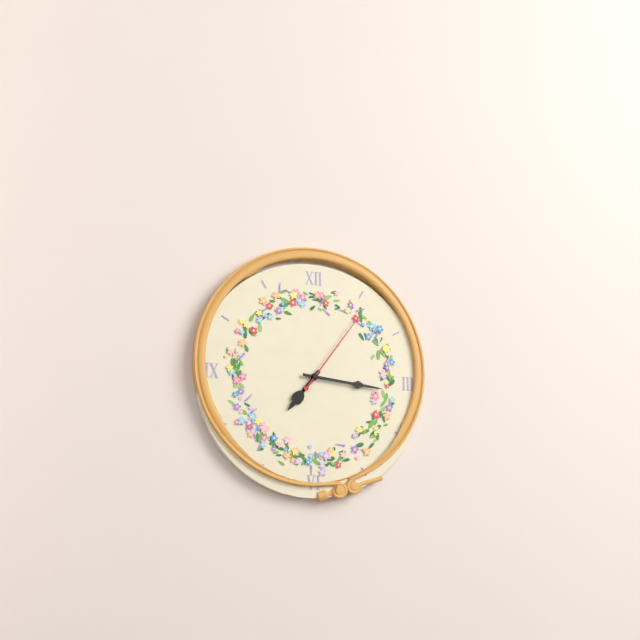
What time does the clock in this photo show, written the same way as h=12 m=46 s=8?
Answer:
h=7 m=16 s=6
